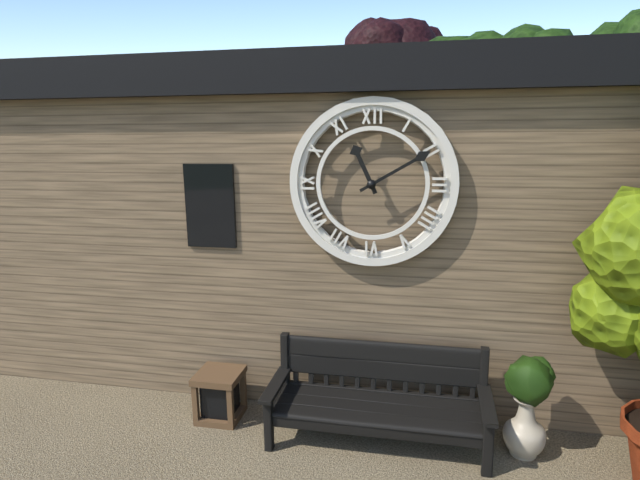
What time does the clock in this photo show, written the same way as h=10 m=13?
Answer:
h=11 m=10
